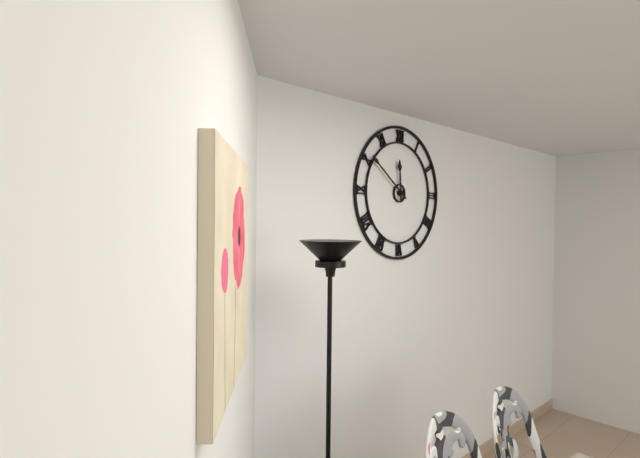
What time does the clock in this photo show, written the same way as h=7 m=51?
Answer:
h=11 m=51
